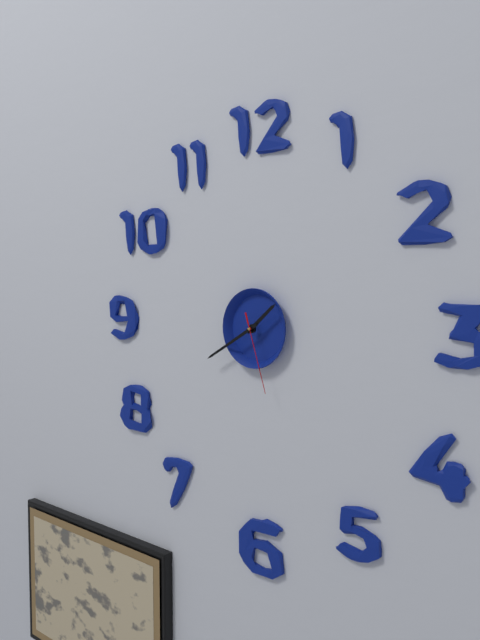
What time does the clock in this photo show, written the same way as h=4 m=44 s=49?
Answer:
h=1 m=40 s=27
